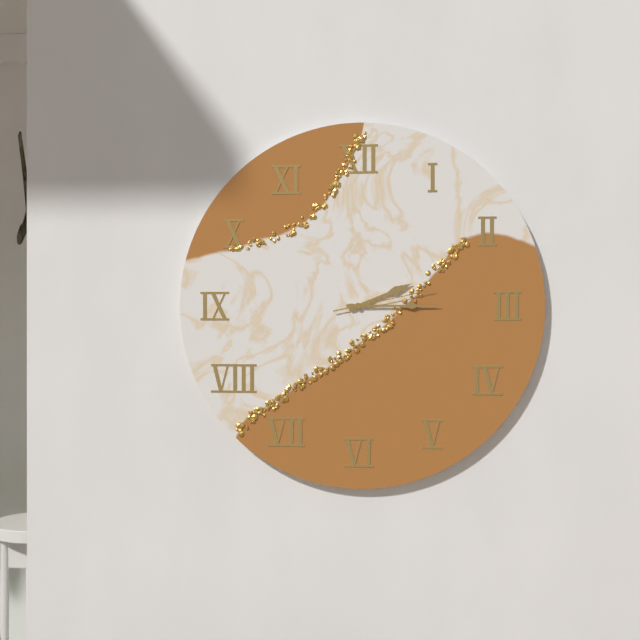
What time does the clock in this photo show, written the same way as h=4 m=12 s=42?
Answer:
h=2 m=15 s=13
